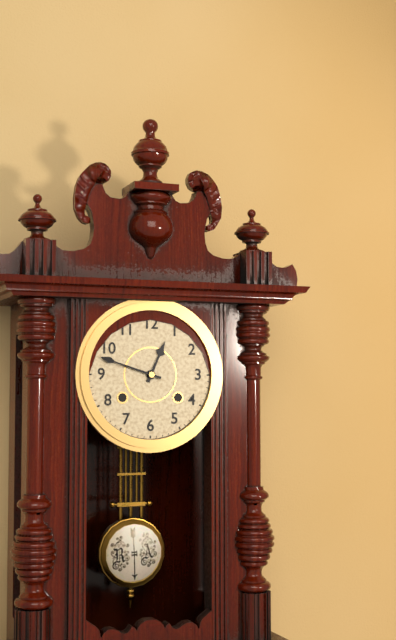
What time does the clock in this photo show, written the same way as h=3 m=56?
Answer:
h=12 m=48
